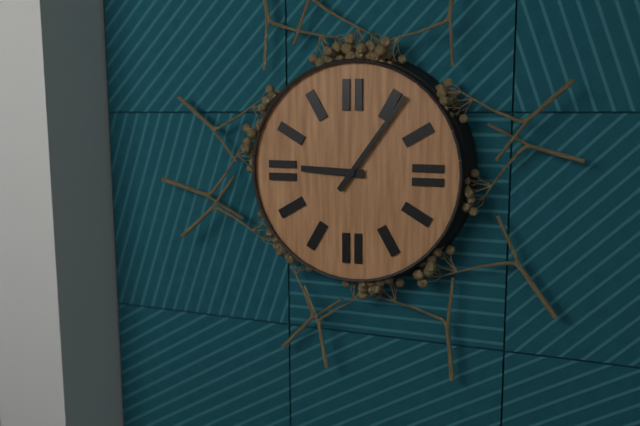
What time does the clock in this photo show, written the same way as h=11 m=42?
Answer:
h=9 m=6
